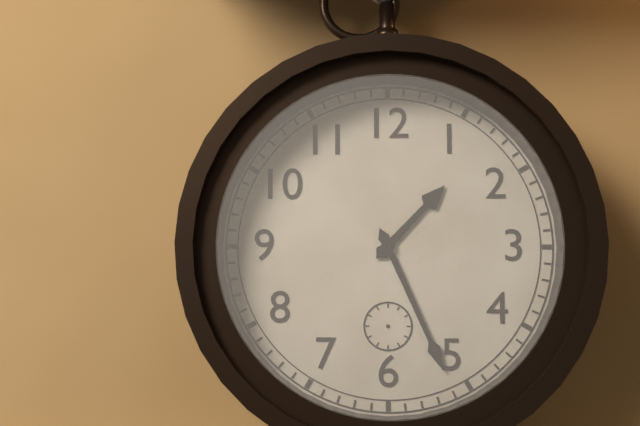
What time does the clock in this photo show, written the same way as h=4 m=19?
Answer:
h=1 m=26
